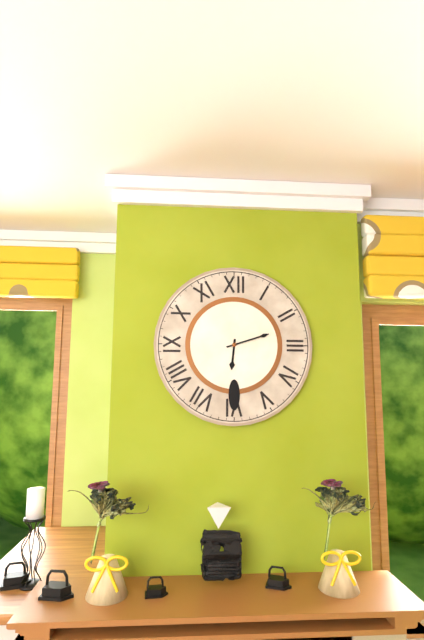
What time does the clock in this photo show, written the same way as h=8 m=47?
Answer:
h=6 m=12
